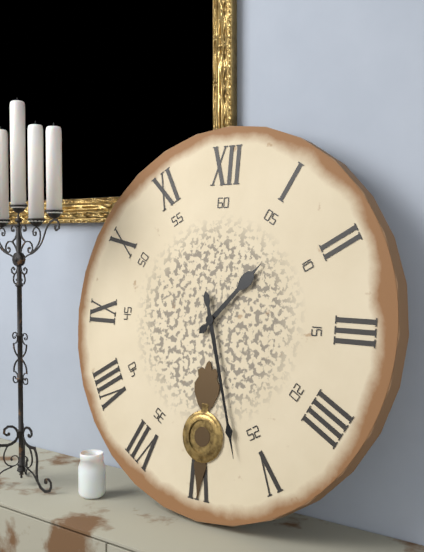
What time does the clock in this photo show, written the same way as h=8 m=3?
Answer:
h=1 m=27
